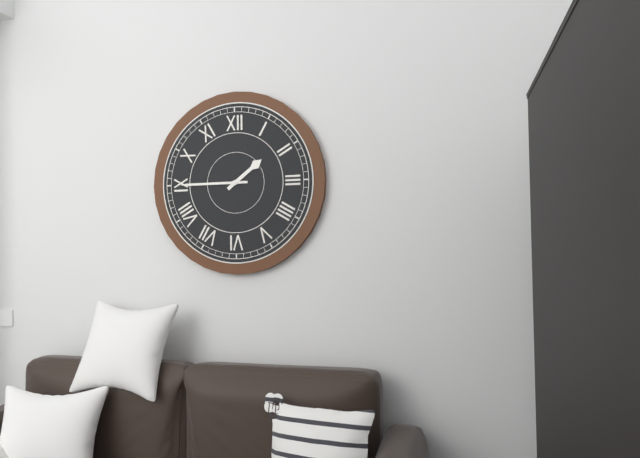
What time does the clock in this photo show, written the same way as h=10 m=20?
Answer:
h=1 m=45
